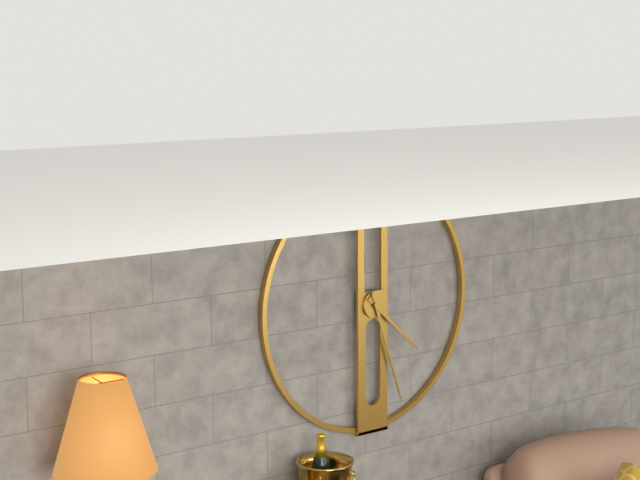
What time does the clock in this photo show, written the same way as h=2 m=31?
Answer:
h=4 m=27
